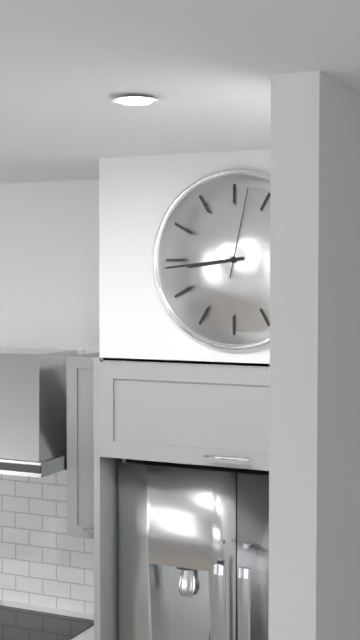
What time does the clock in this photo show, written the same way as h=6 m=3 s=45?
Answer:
h=8 m=44 s=2
